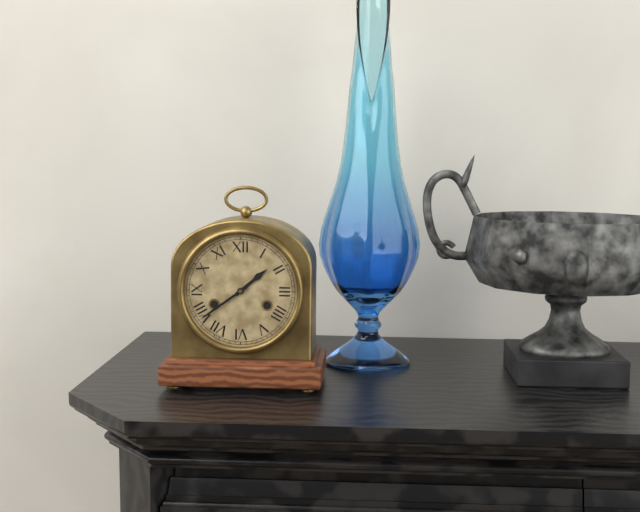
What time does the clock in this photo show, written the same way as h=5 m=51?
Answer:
h=1 m=39
